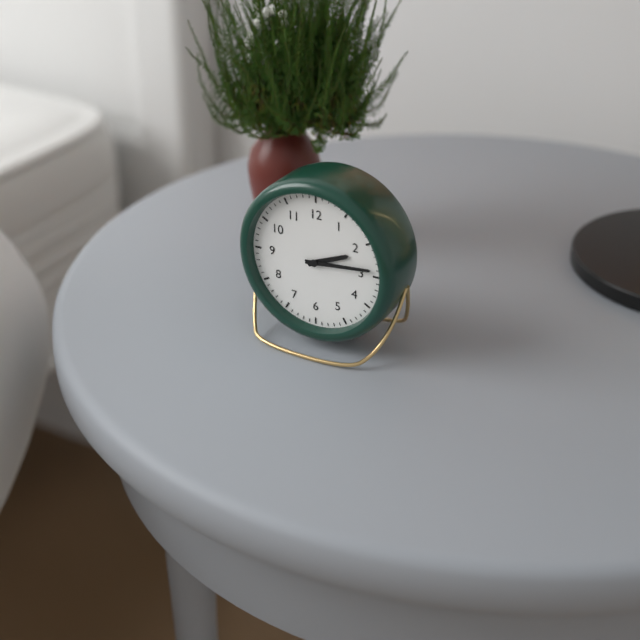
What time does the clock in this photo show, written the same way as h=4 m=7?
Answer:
h=2 m=14
